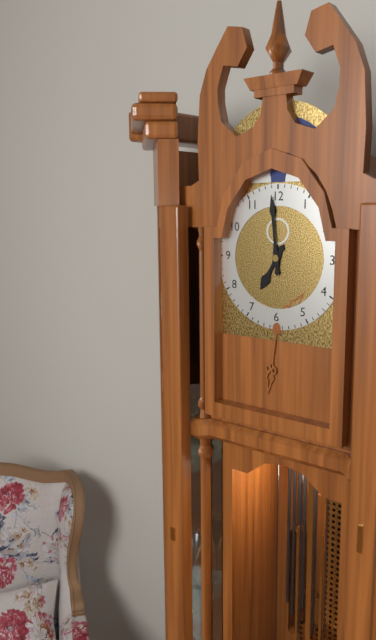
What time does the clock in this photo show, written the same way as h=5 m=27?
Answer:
h=6 m=59
